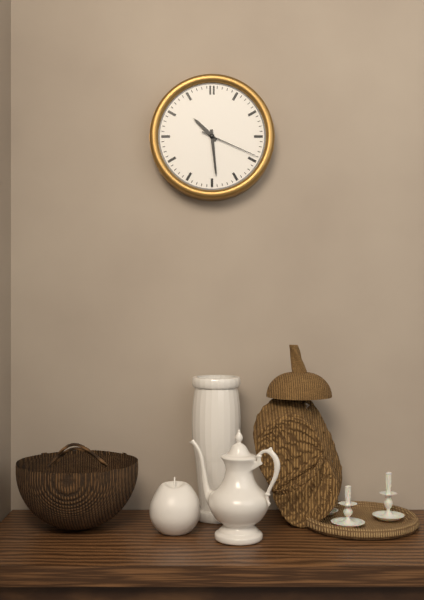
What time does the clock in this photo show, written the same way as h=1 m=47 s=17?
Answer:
h=10 m=29 s=19
